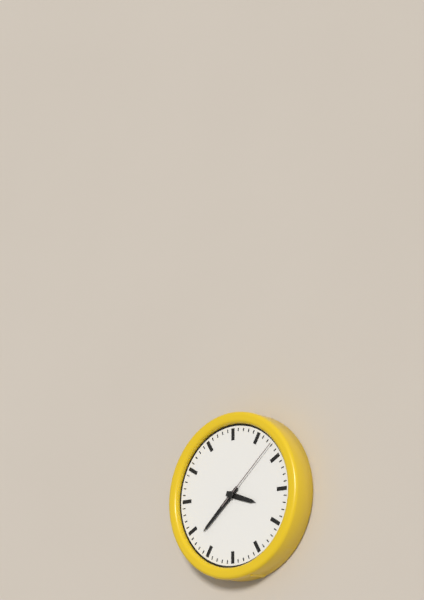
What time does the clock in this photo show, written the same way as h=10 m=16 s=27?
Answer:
h=3 m=38 s=8
